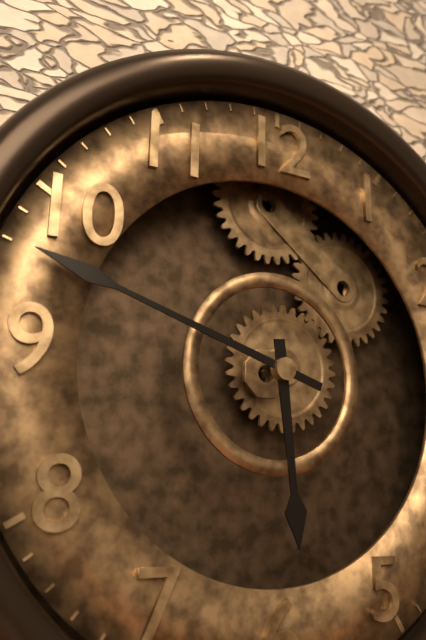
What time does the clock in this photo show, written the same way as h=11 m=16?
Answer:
h=5 m=48
